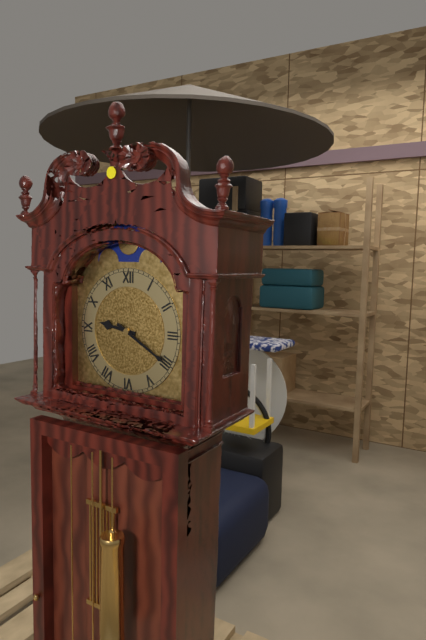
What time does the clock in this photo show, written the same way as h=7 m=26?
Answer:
h=9 m=20
